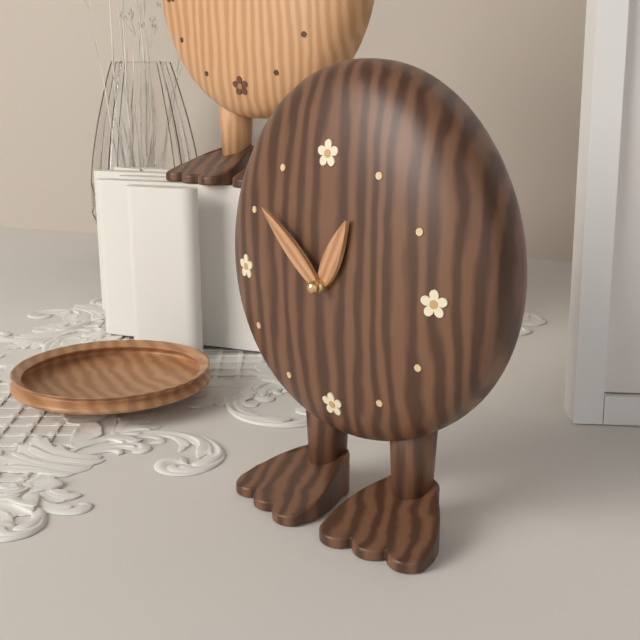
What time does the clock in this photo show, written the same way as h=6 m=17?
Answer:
h=12 m=52
